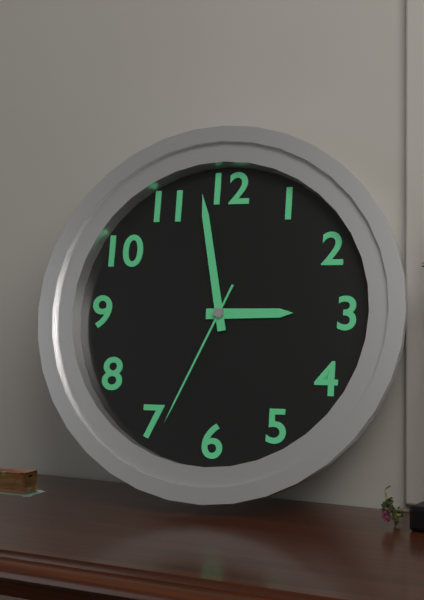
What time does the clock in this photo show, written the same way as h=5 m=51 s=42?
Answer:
h=2 m=58 s=34
